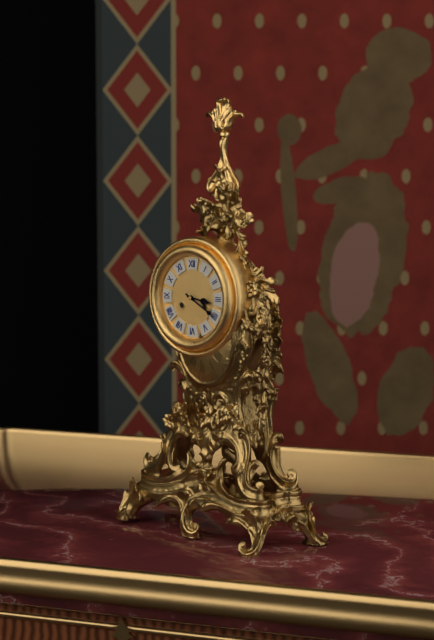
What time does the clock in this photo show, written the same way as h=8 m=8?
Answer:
h=3 m=20
